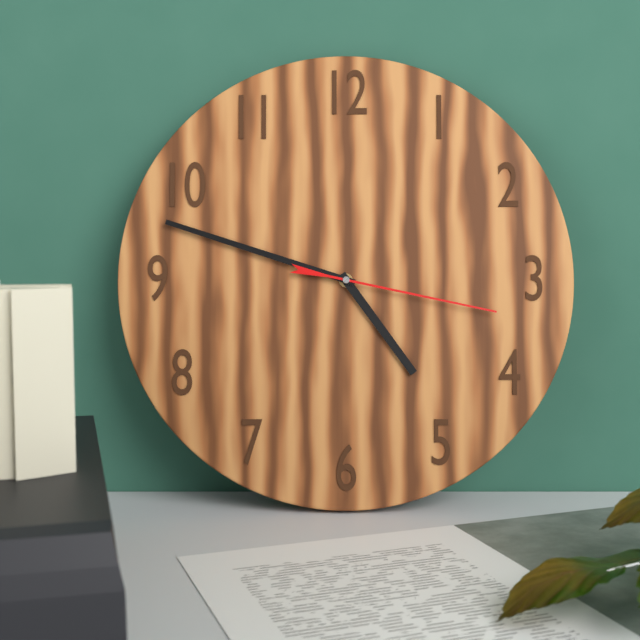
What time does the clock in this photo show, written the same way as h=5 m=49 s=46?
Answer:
h=4 m=48 s=17
